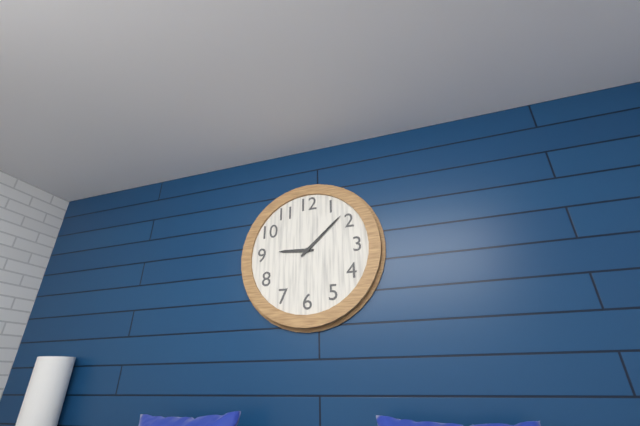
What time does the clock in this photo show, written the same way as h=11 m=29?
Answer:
h=9 m=8
